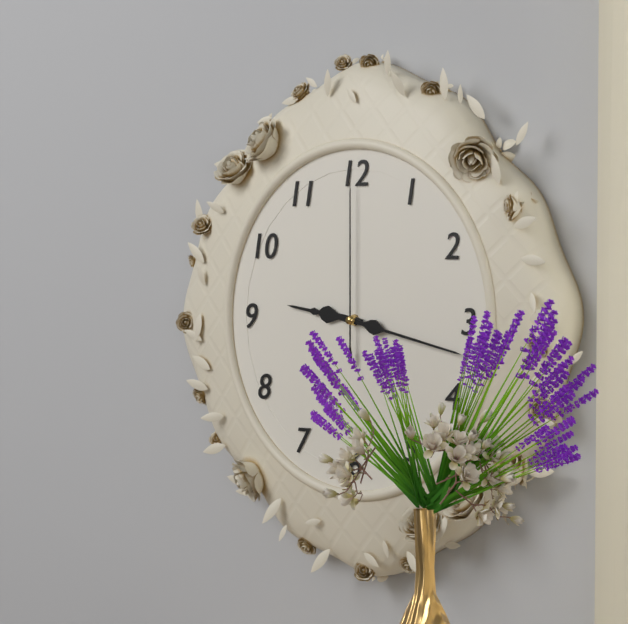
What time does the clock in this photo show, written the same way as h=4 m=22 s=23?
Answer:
h=9 m=17 s=0
